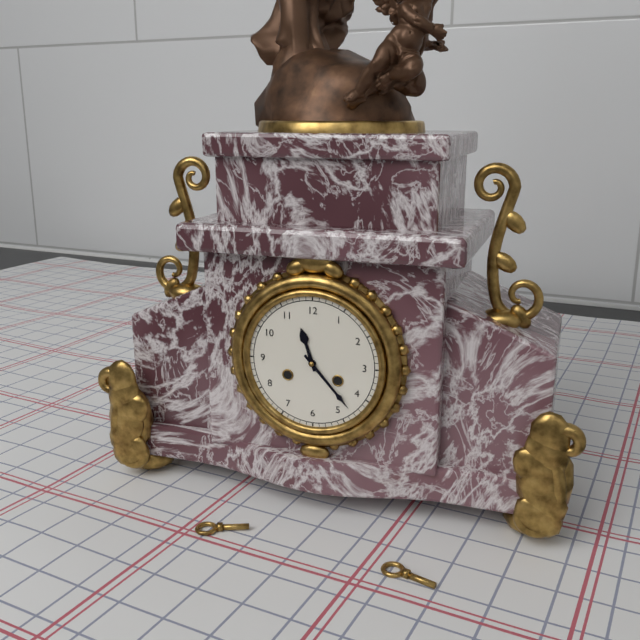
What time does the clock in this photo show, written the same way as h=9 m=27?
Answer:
h=11 m=23
